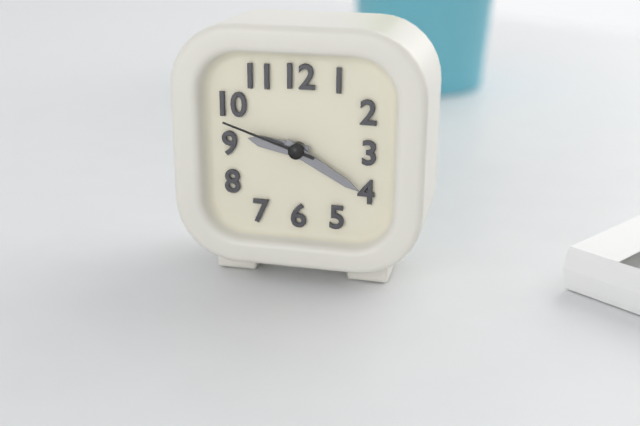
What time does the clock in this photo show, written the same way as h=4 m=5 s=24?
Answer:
h=9 m=20 s=48
